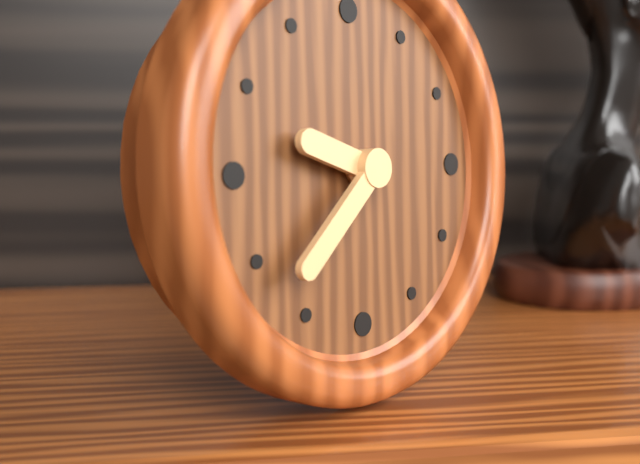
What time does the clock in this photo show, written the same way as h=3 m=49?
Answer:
h=9 m=38
